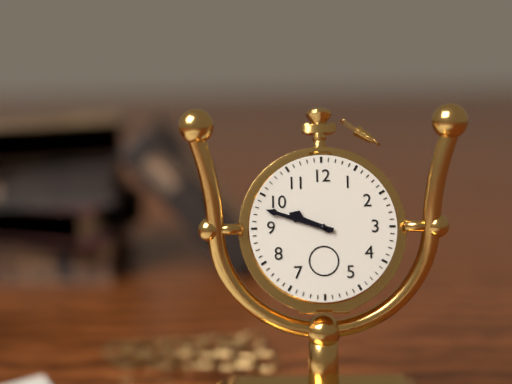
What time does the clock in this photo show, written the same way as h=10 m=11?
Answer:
h=9 m=48
